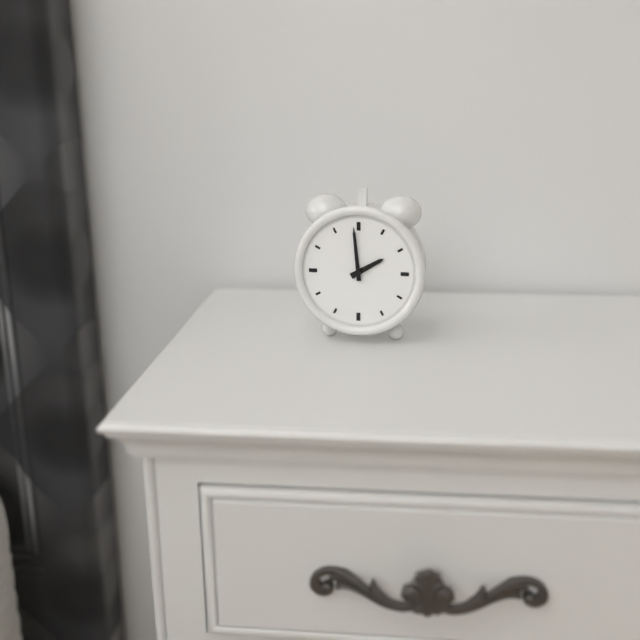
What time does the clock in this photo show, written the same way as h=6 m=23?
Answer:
h=1 m=59
